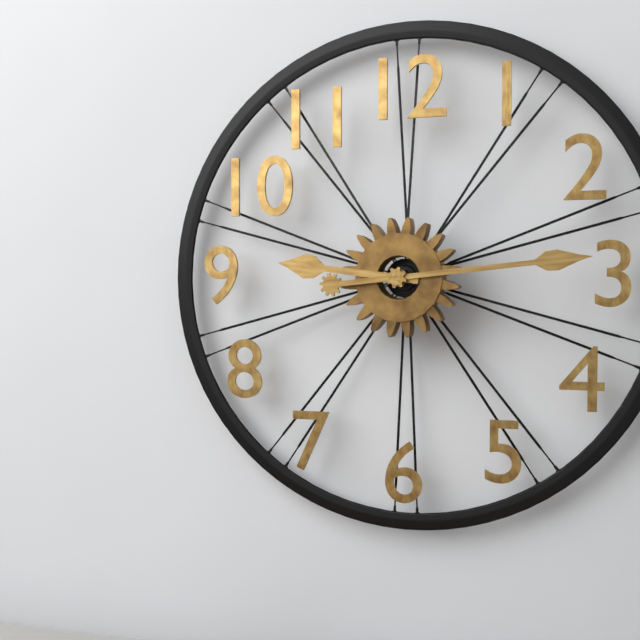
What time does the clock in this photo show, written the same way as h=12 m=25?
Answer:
h=9 m=14
